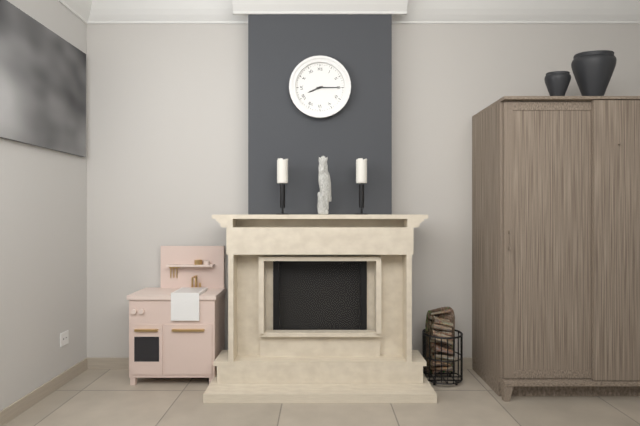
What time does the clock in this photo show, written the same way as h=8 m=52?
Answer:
h=8 m=15
